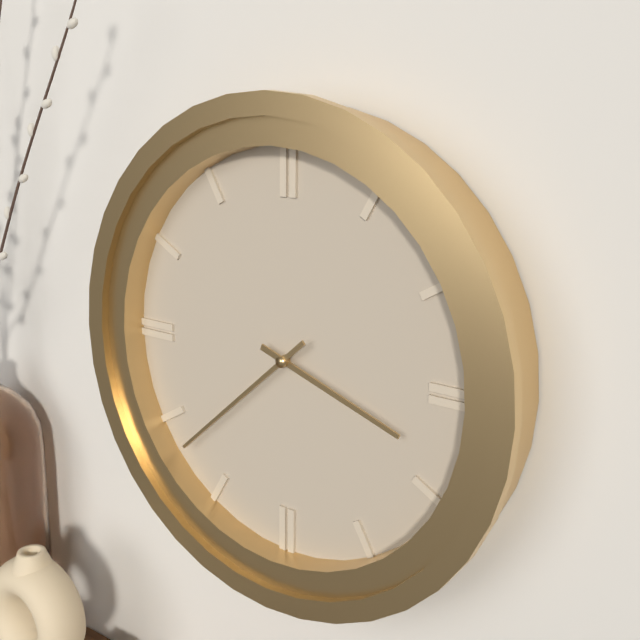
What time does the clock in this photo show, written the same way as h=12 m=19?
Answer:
h=3 m=38
